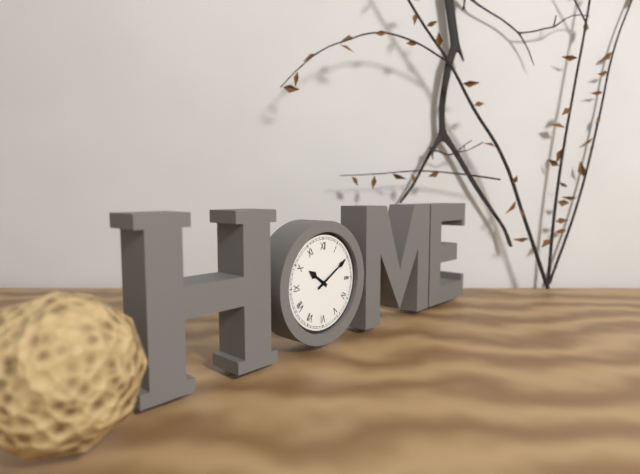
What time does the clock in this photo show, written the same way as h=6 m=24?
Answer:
h=10 m=10
